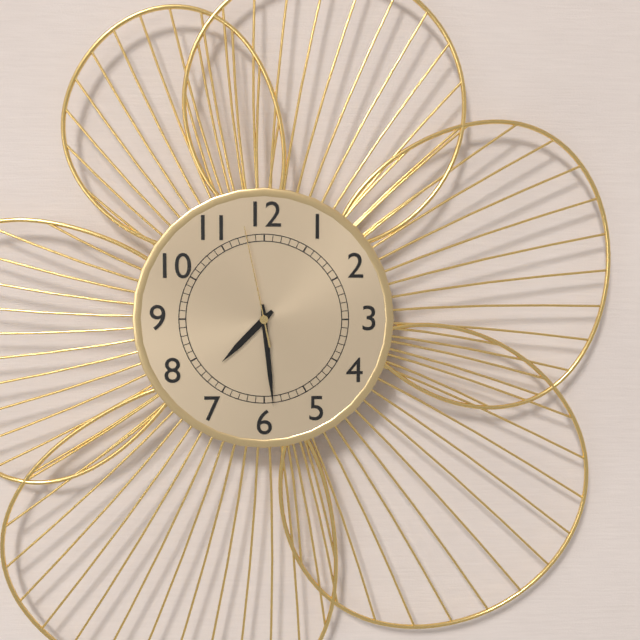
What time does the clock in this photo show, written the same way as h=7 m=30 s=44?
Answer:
h=7 m=29 s=58
